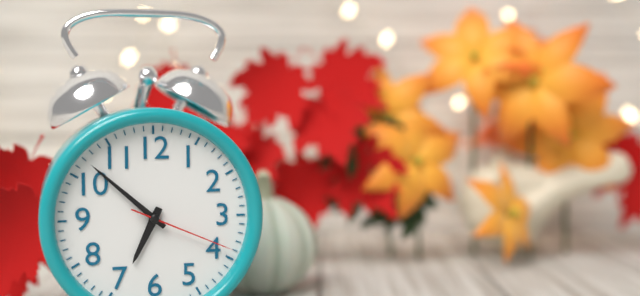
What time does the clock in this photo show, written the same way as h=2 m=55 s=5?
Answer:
h=6 m=52 s=19
